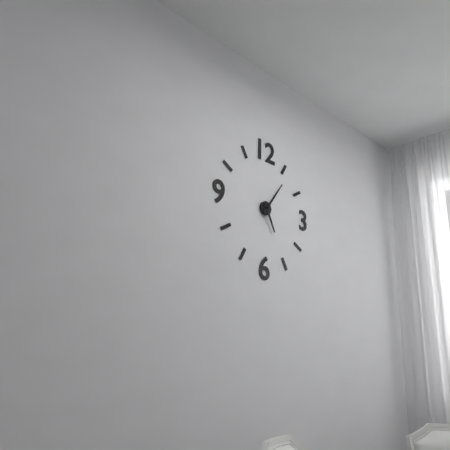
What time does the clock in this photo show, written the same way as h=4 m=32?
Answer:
h=5 m=6
